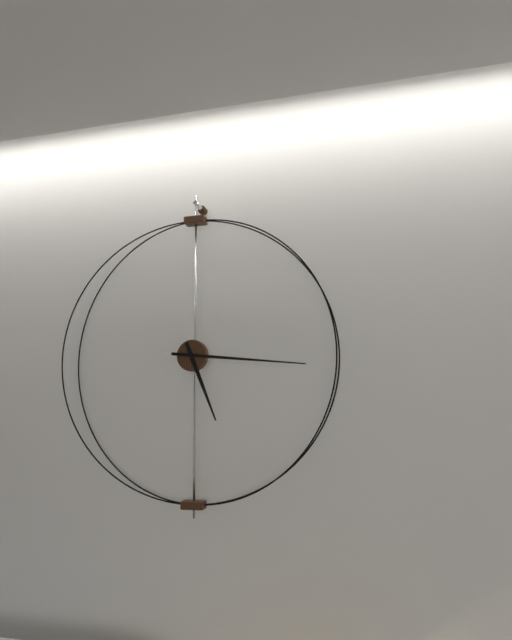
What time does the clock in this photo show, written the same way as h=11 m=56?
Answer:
h=5 m=16
